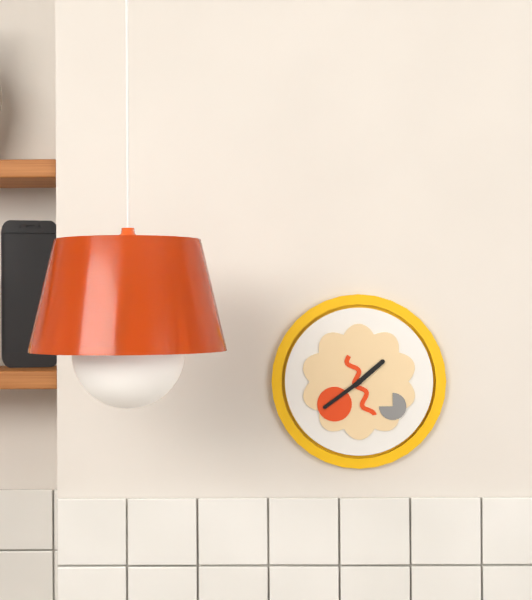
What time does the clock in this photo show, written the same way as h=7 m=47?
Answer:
h=1 m=39
